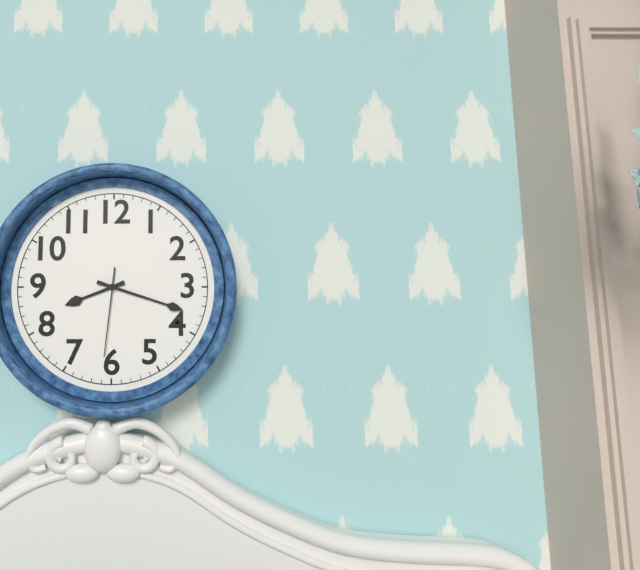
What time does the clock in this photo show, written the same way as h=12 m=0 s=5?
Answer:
h=8 m=18 s=31
